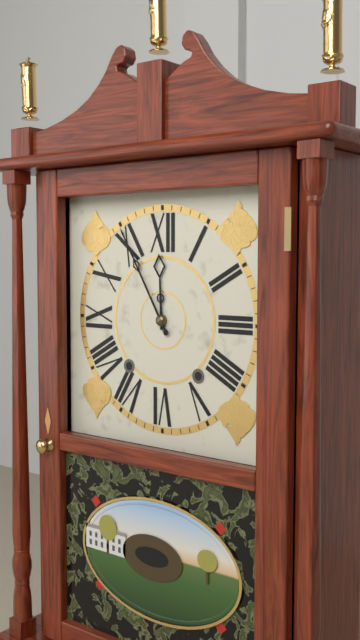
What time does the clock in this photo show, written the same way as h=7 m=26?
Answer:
h=11 m=55
